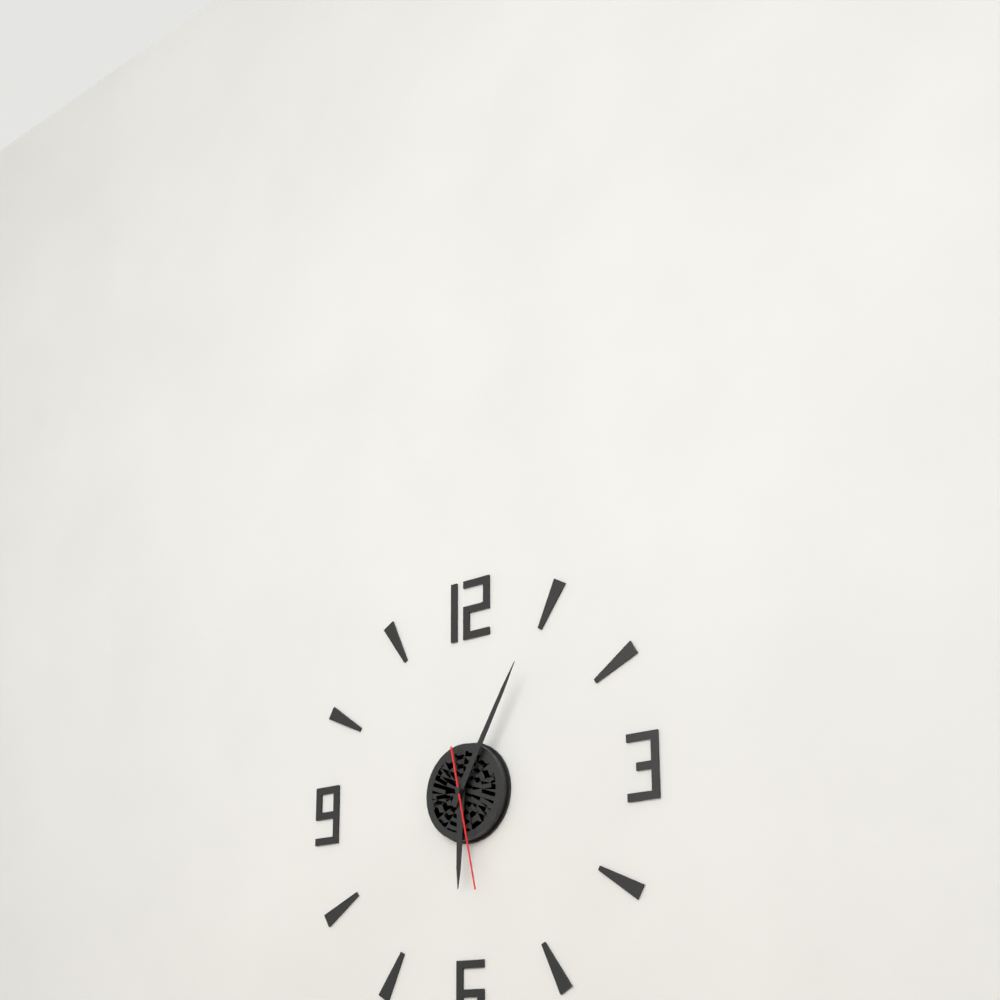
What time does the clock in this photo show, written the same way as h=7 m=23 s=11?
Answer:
h=6 m=5 s=28
